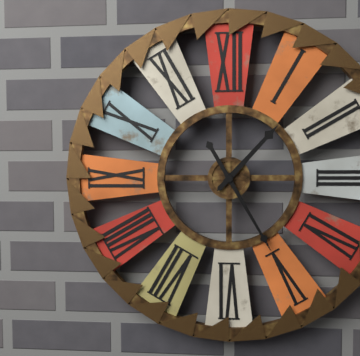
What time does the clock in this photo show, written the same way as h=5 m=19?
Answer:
h=1 m=25
